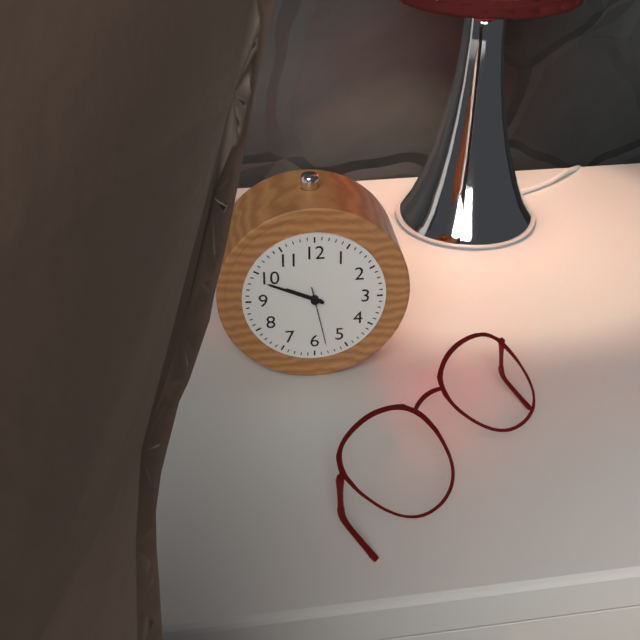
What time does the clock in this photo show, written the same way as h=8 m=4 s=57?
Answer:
h=9 m=49 s=28
